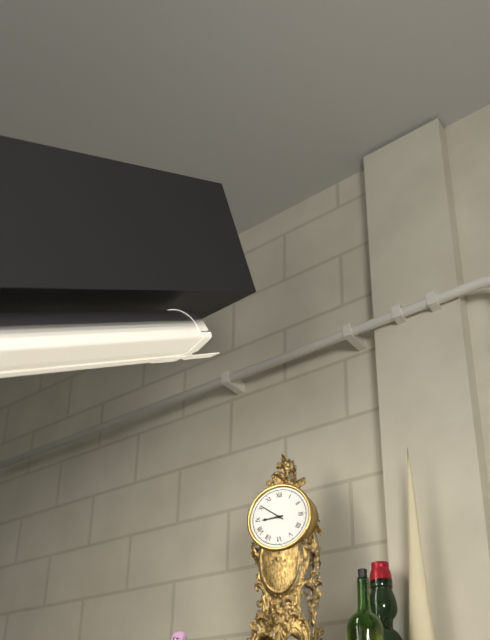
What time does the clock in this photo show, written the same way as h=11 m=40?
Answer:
h=8 m=51
